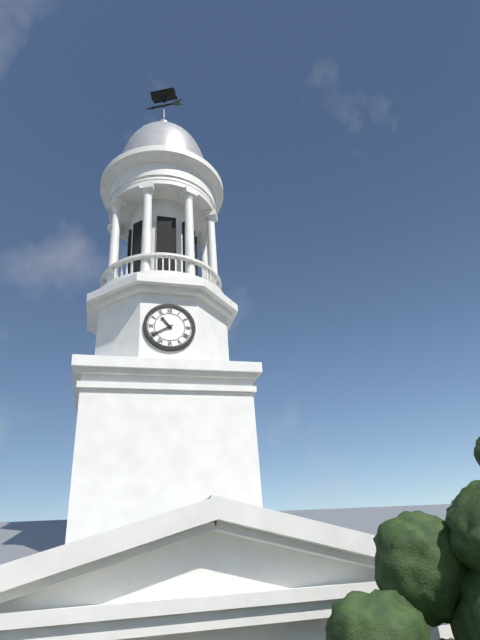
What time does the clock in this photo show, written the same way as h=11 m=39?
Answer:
h=10 m=40
